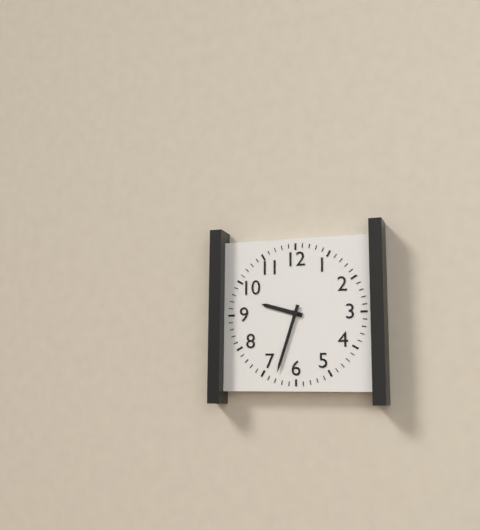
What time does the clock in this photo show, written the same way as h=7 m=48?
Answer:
h=9 m=33
